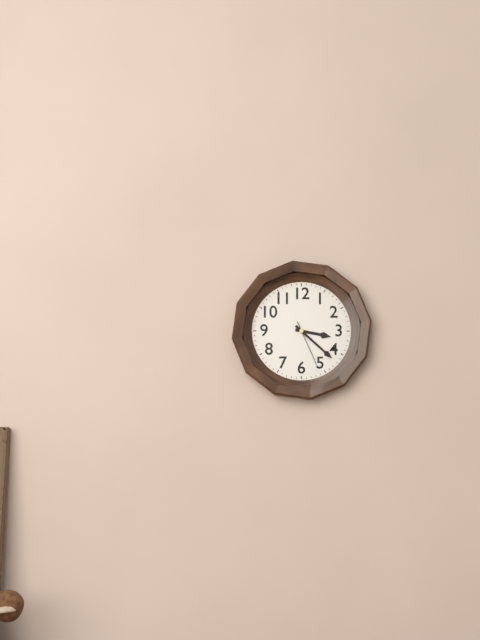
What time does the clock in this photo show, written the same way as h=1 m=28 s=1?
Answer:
h=3 m=22 s=26
